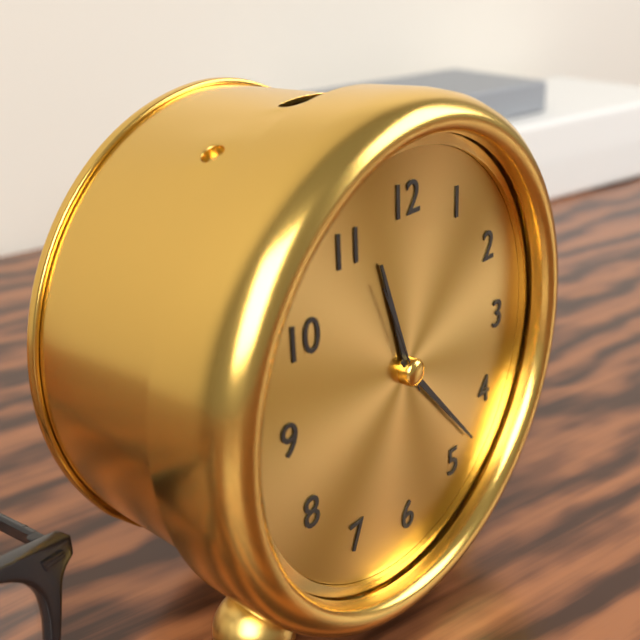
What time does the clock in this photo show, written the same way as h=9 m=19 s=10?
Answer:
h=11 m=23 s=56
